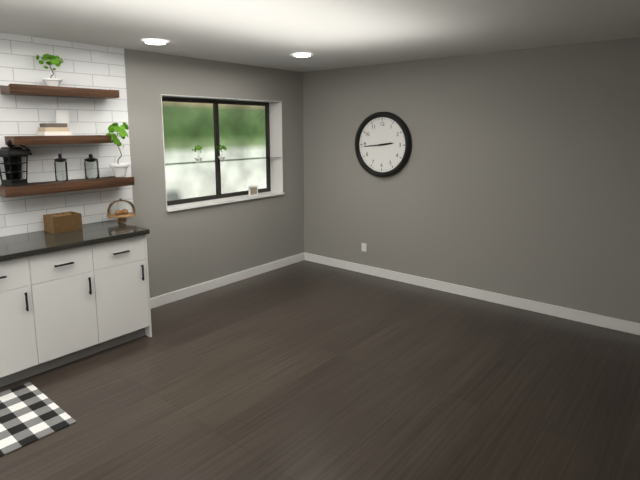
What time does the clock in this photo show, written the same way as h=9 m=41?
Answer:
h=2 m=44
